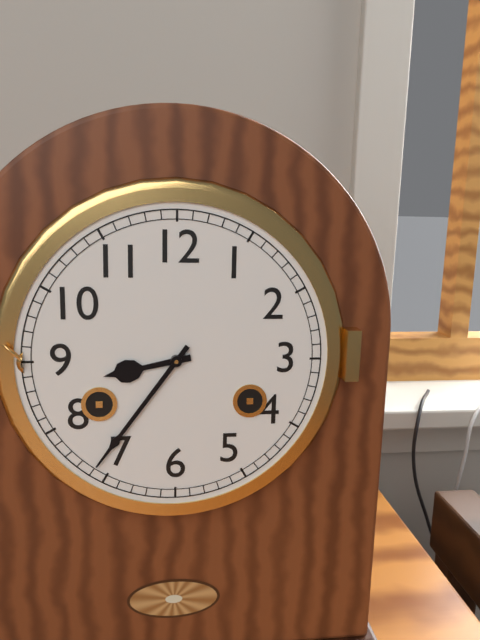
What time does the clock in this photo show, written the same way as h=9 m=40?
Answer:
h=8 m=36
